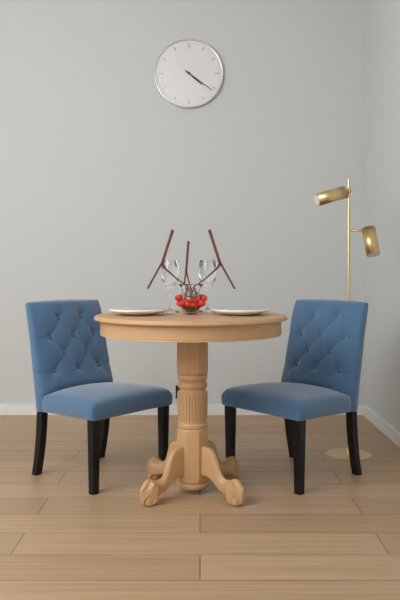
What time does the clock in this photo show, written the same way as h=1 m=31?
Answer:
h=4 m=21
